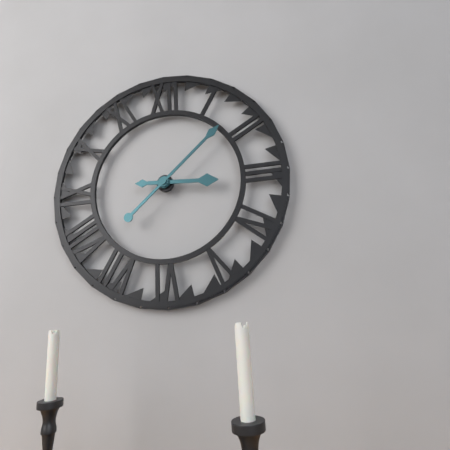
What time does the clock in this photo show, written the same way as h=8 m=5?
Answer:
h=3 m=8
